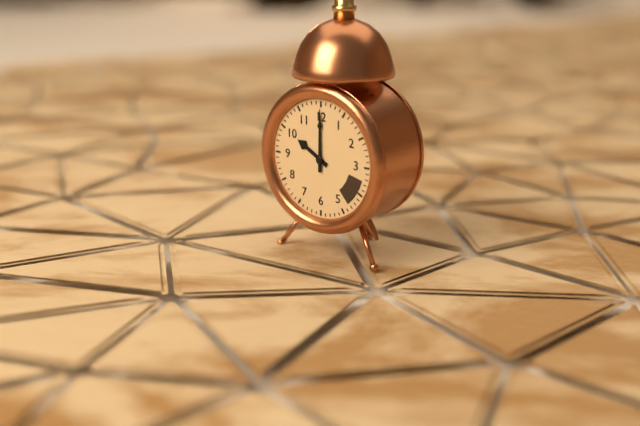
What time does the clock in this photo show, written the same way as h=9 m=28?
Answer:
h=10 m=0
